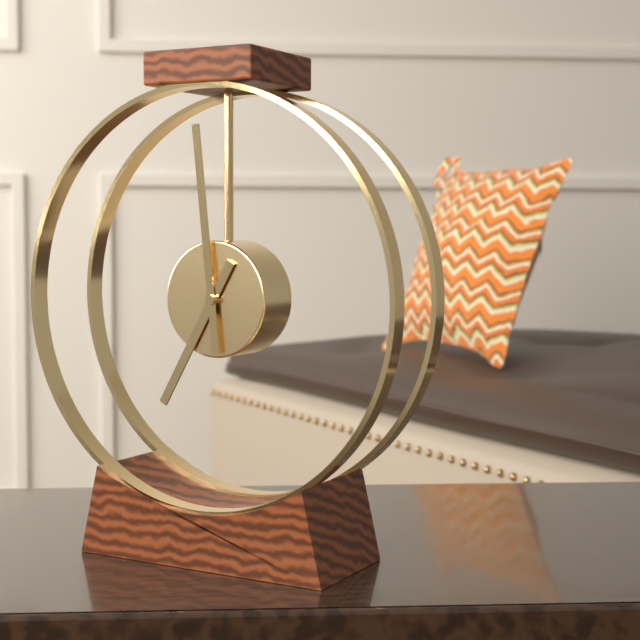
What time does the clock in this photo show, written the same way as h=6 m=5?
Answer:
h=6 m=59
